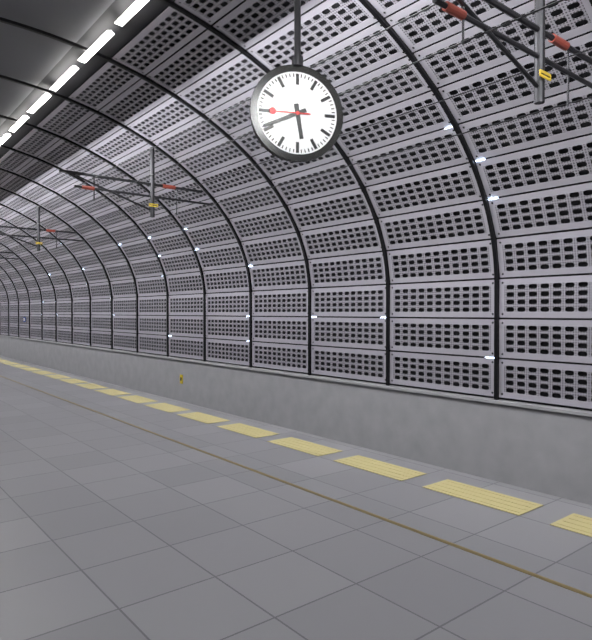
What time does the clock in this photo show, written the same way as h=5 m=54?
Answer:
h=5 m=41
